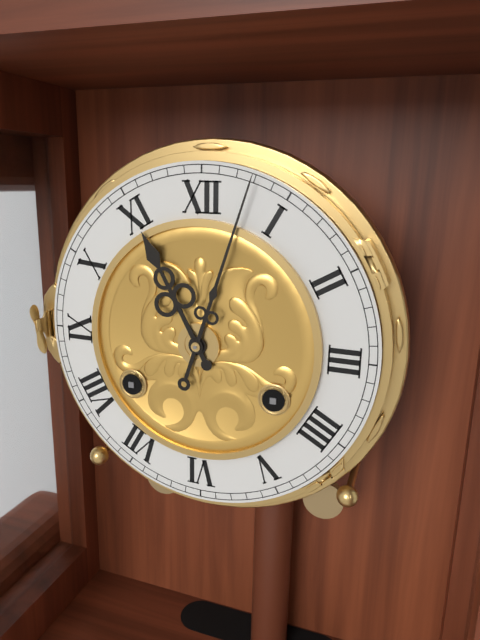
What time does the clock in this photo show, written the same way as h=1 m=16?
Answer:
h=11 m=3
